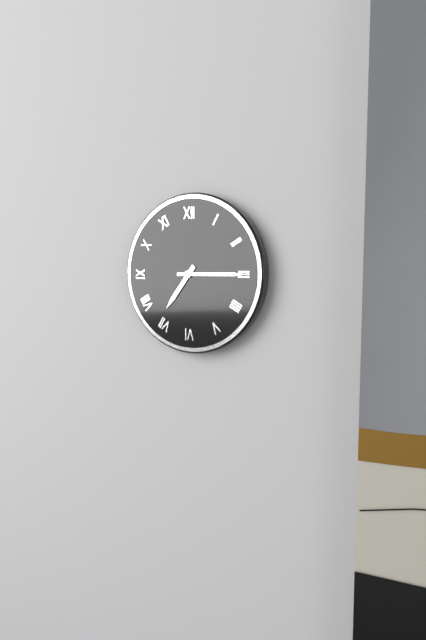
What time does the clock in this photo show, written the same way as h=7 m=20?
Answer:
h=7 m=15
